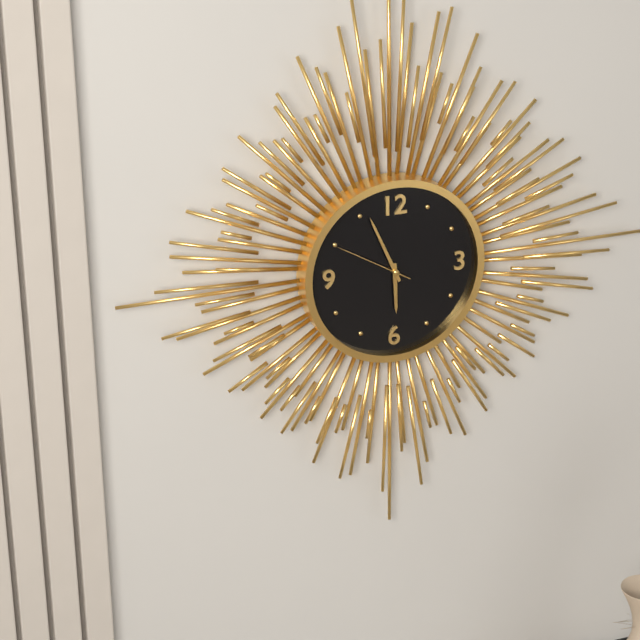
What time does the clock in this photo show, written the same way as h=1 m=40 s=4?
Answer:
h=5 m=56 s=50
